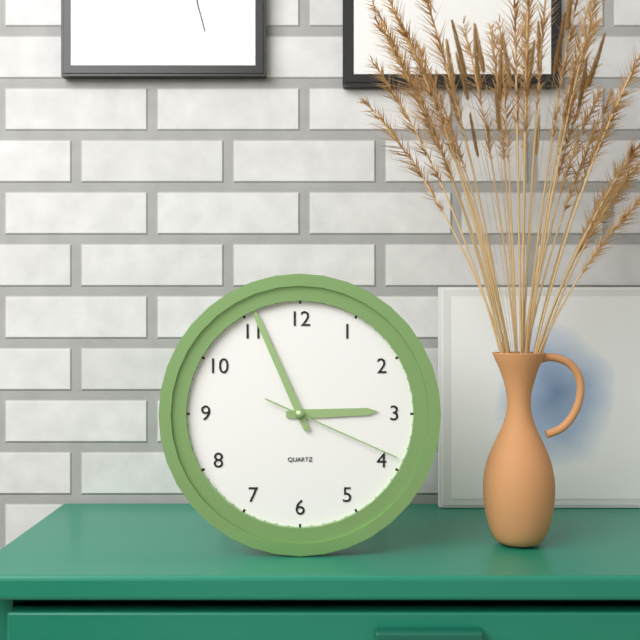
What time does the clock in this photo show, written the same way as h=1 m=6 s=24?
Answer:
h=2 m=56 s=19
